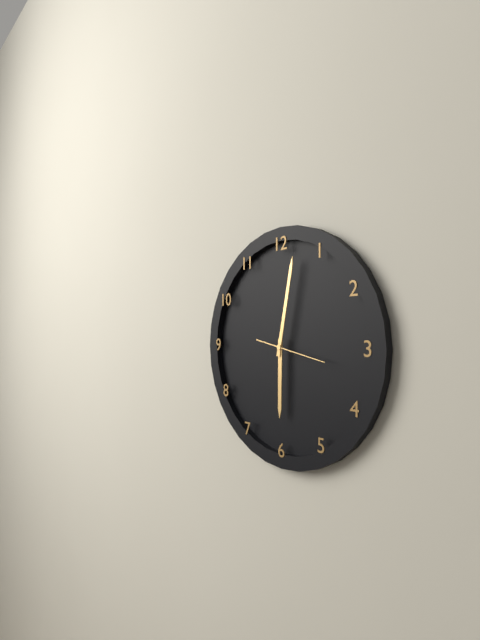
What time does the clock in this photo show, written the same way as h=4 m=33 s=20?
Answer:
h=6 m=2 s=17
